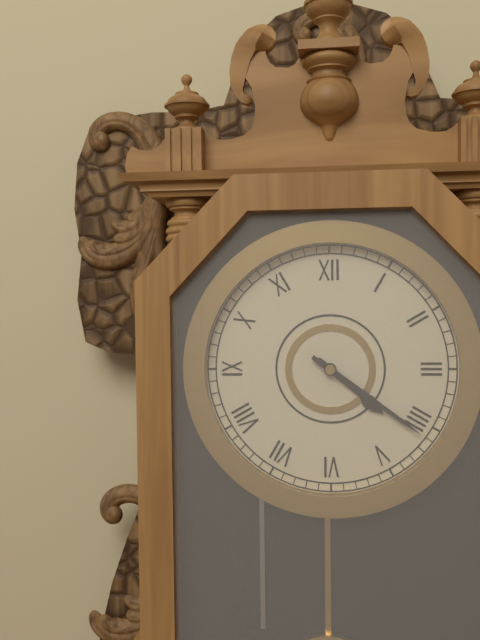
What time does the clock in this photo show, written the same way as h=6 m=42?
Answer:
h=4 m=21
